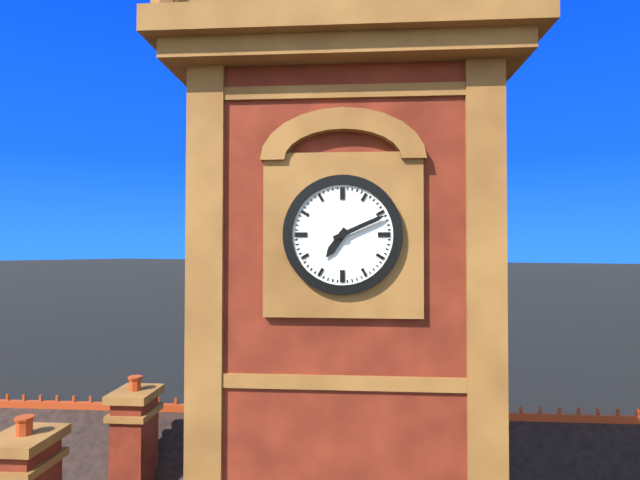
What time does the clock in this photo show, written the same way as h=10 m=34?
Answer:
h=7 m=11
